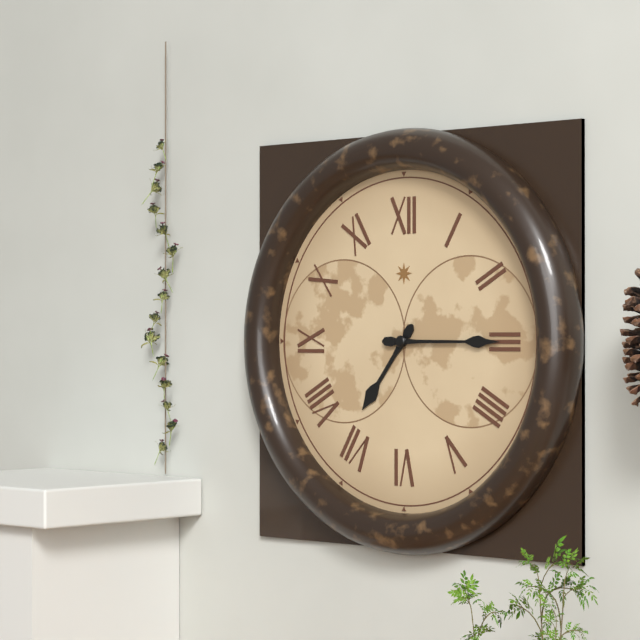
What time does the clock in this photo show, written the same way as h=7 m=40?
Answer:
h=7 m=15
